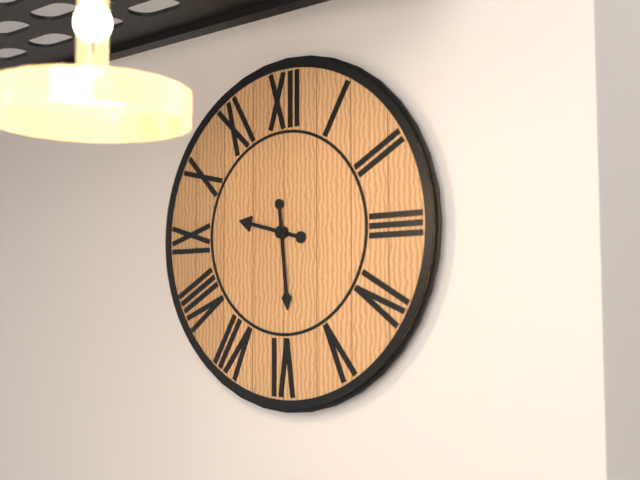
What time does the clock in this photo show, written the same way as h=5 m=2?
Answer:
h=9 m=29
